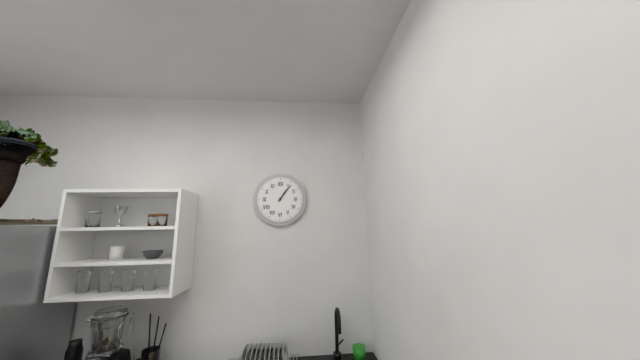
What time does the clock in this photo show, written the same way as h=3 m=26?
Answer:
h=1 m=6
